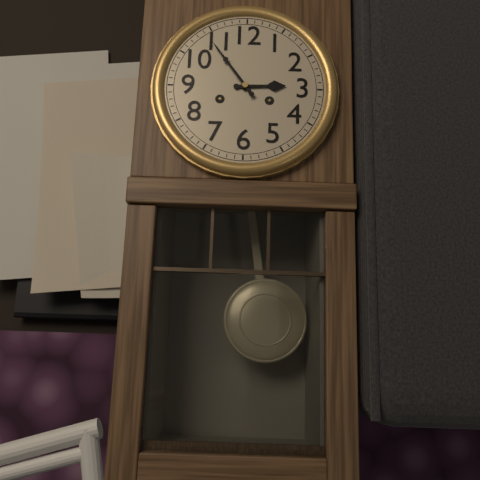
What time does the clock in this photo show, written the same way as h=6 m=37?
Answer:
h=2 m=54
